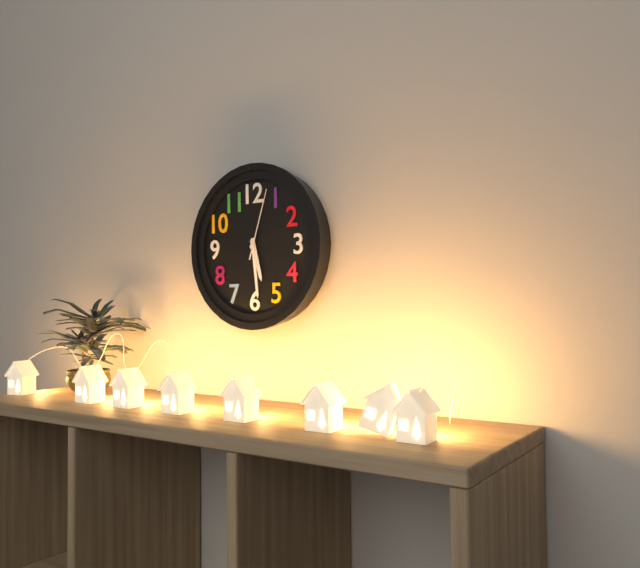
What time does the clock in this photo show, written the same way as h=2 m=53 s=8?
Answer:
h=5 m=29 s=3
